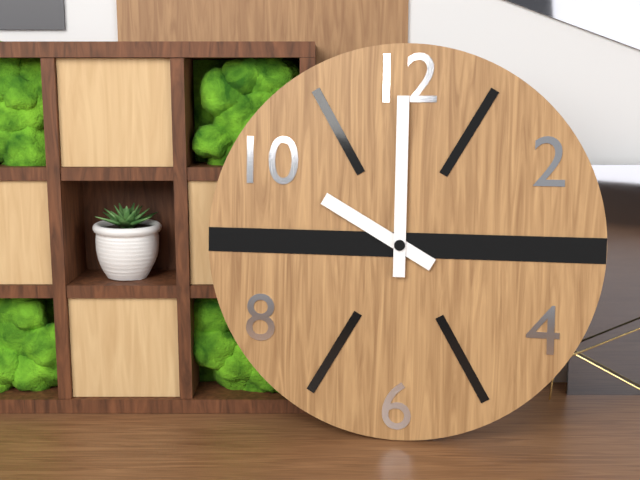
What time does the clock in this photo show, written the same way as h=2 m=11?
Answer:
h=10 m=0
